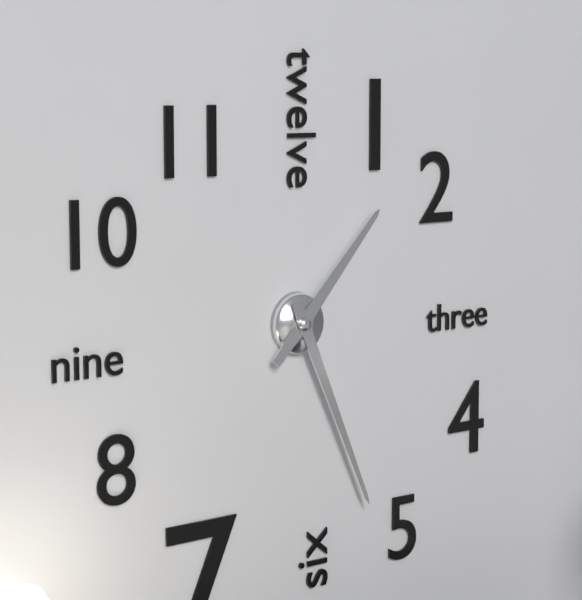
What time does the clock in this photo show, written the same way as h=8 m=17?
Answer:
h=1 m=26
